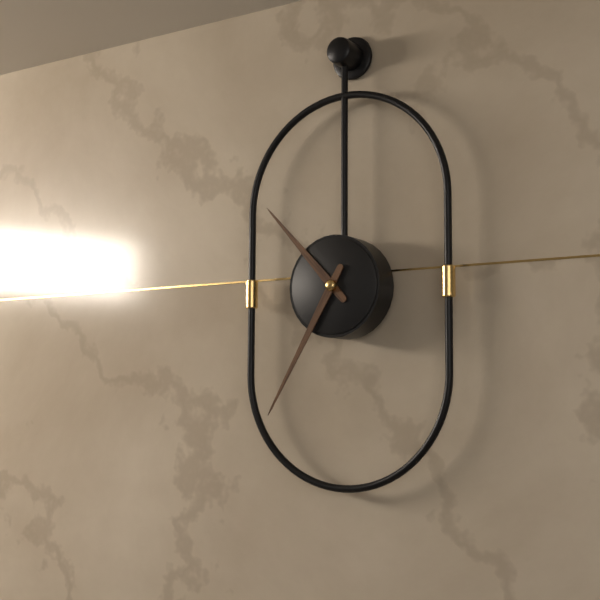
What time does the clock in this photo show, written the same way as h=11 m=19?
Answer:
h=10 m=35
